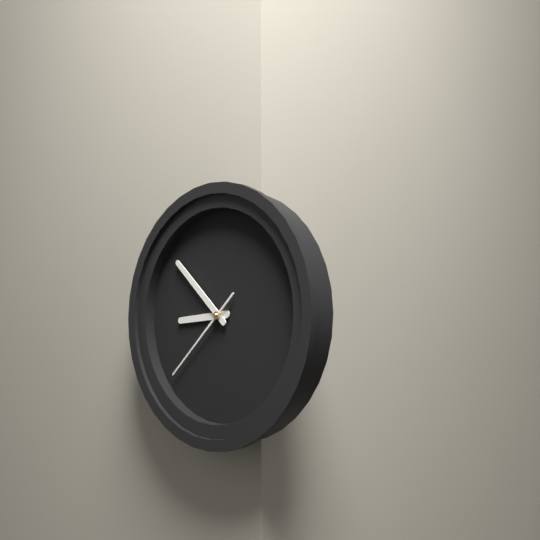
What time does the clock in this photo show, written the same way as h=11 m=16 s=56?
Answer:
h=8 m=52 s=38
